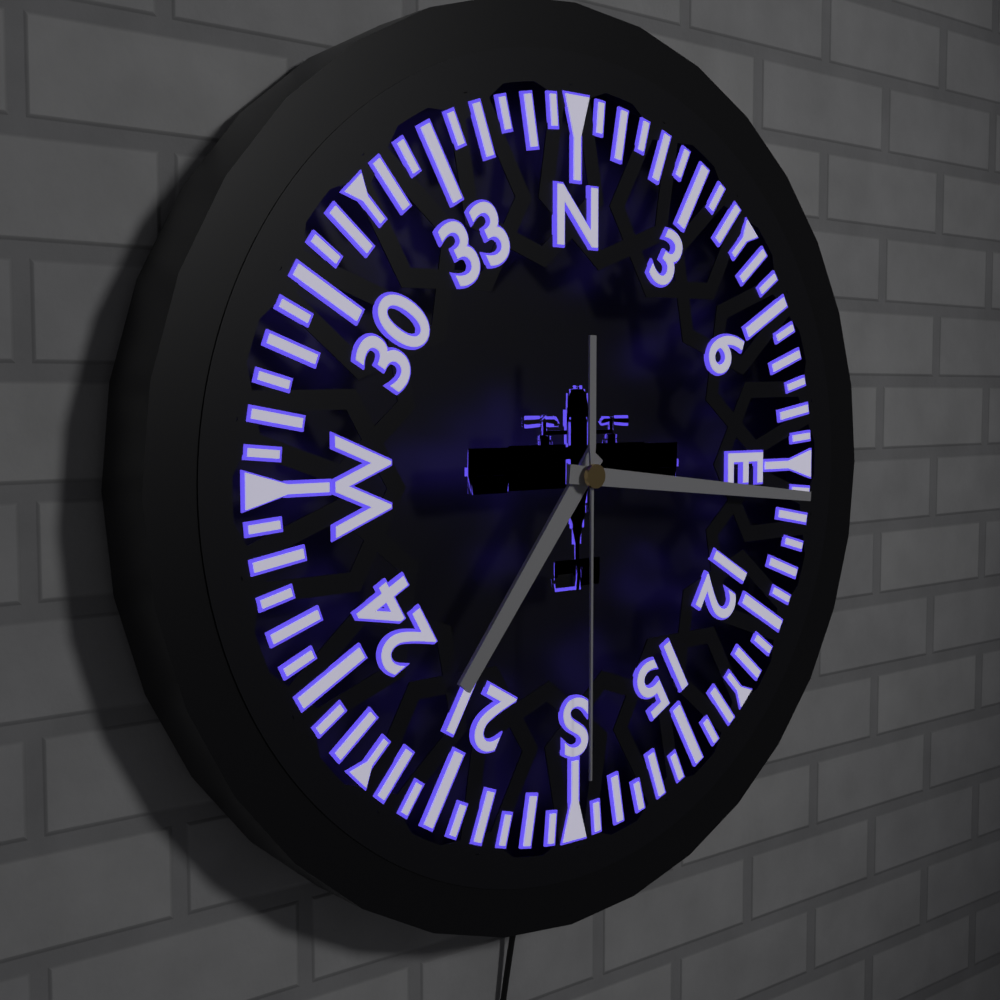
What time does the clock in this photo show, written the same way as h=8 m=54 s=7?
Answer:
h=7 m=16 s=30
